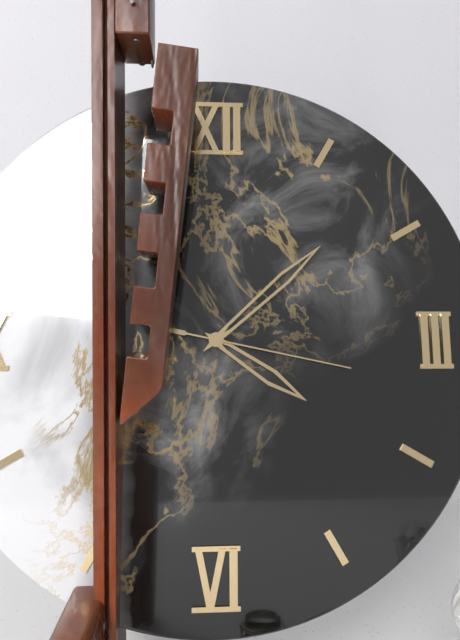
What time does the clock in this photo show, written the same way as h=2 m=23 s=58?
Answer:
h=4 m=8 s=17
